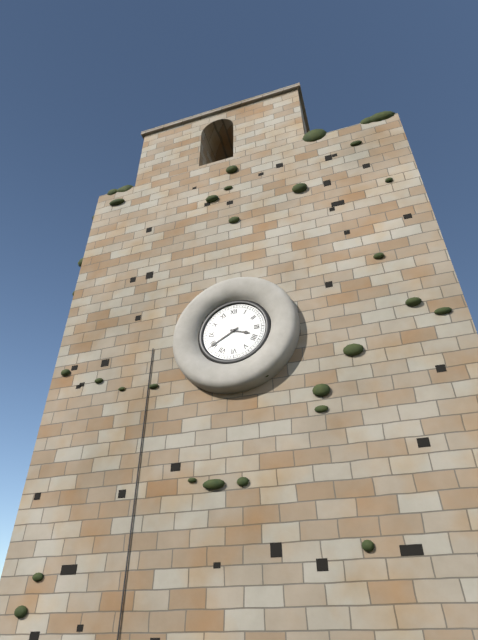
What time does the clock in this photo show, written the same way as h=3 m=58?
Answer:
h=3 m=40
